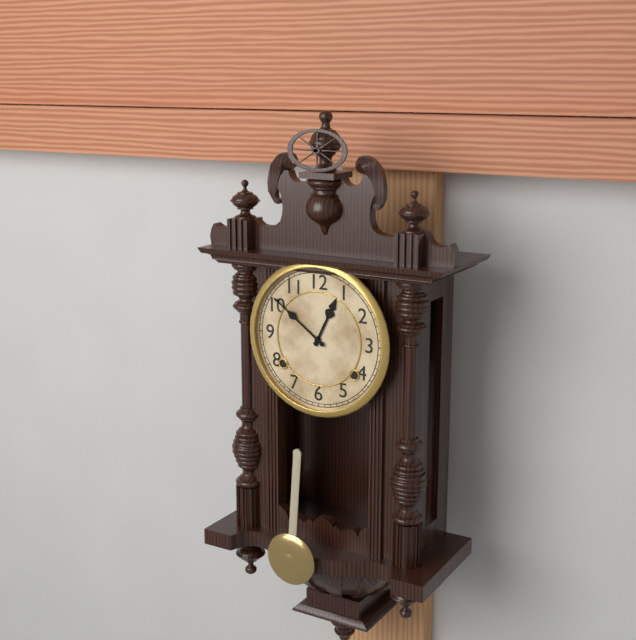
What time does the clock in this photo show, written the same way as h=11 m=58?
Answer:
h=12 m=51
